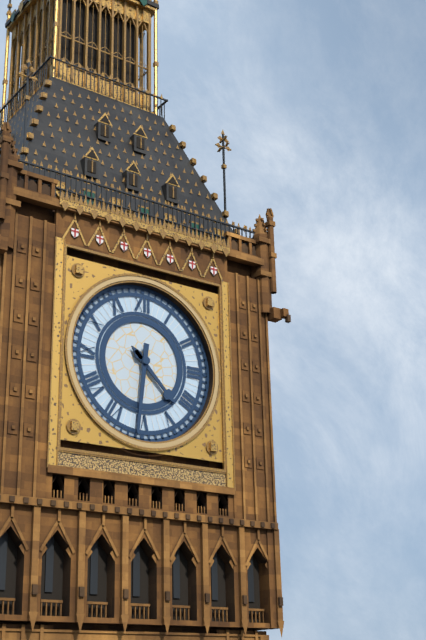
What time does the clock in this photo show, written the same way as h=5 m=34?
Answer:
h=4 m=31
